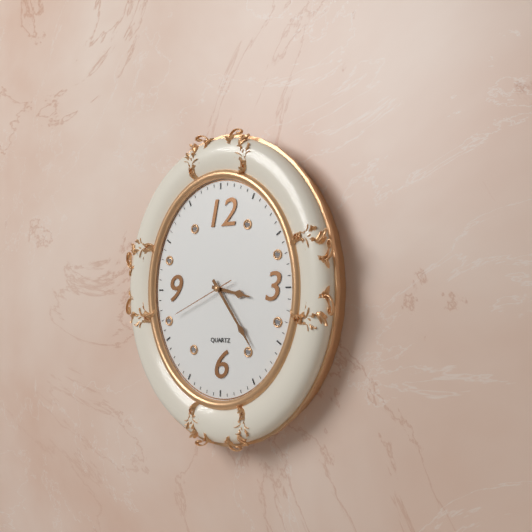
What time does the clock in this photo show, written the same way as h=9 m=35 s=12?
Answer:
h=3 m=24 s=41
